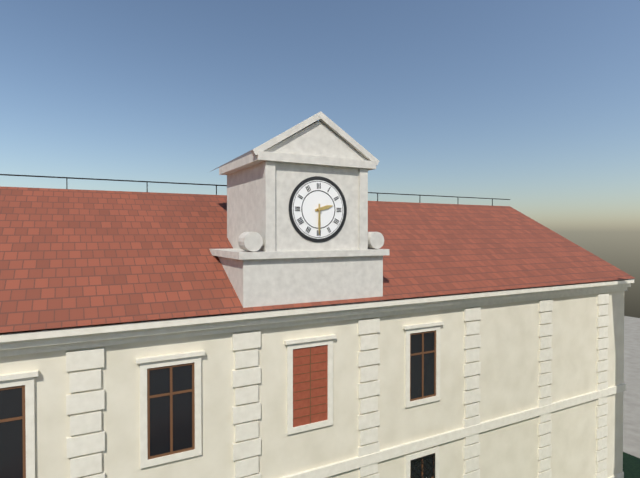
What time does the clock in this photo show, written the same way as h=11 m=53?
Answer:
h=2 m=30
